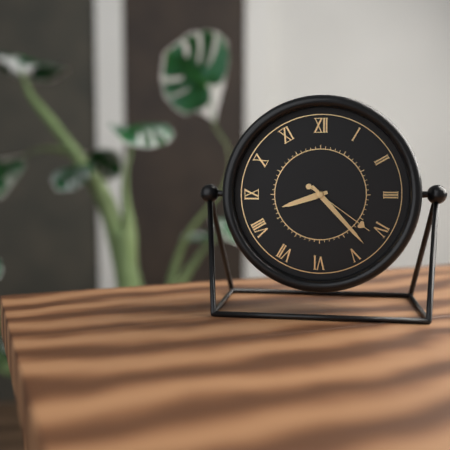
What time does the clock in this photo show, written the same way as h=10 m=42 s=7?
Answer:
h=8 m=23 s=21
